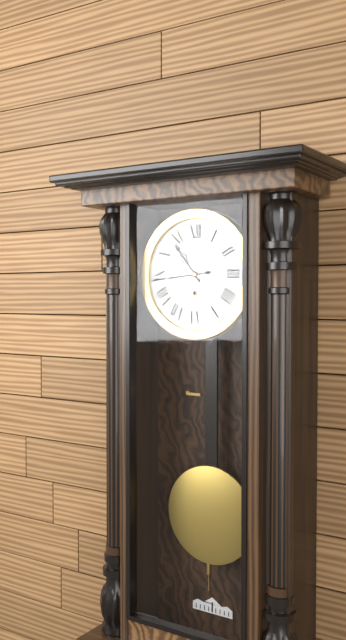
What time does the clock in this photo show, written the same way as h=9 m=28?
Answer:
h=10 m=44
